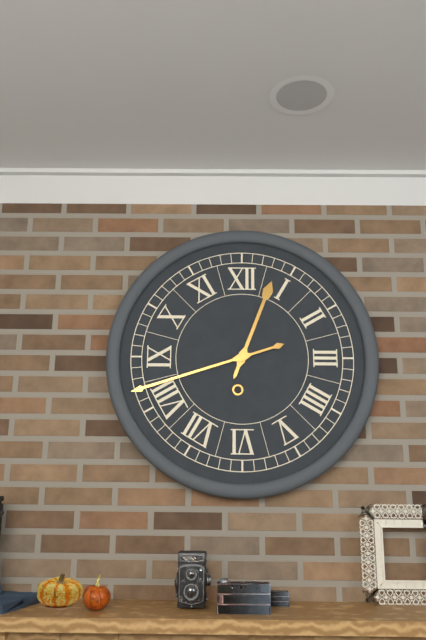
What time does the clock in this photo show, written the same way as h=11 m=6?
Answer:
h=12 m=42
